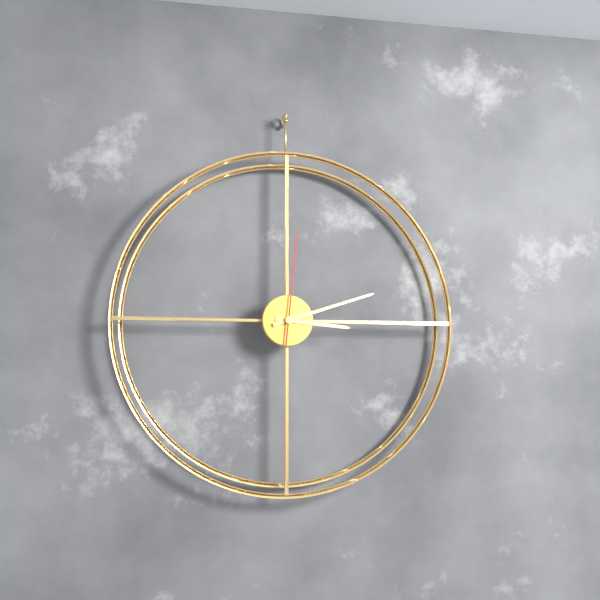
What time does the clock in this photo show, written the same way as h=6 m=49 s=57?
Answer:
h=3 m=12 s=1
